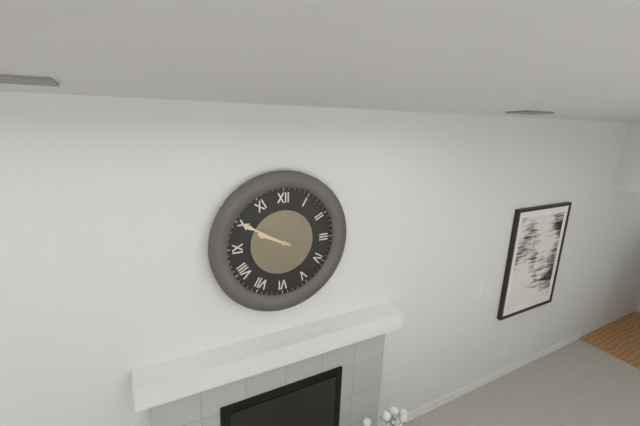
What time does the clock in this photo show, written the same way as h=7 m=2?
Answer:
h=9 m=50
